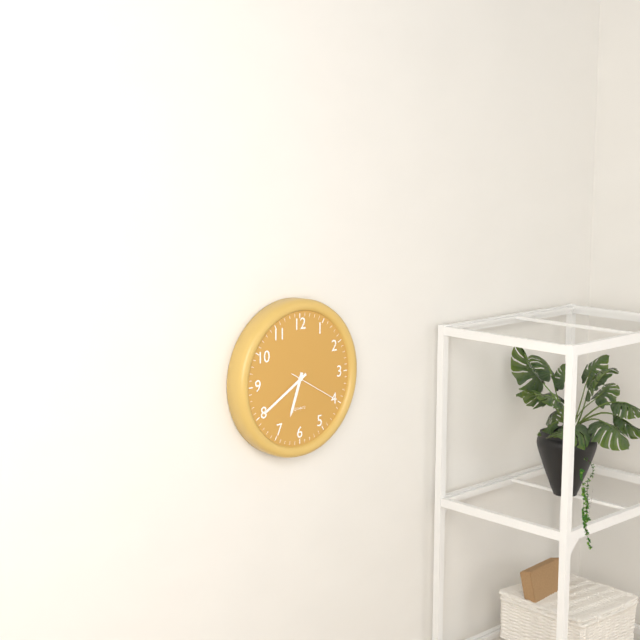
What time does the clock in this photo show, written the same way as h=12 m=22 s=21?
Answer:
h=6 m=40 s=20
